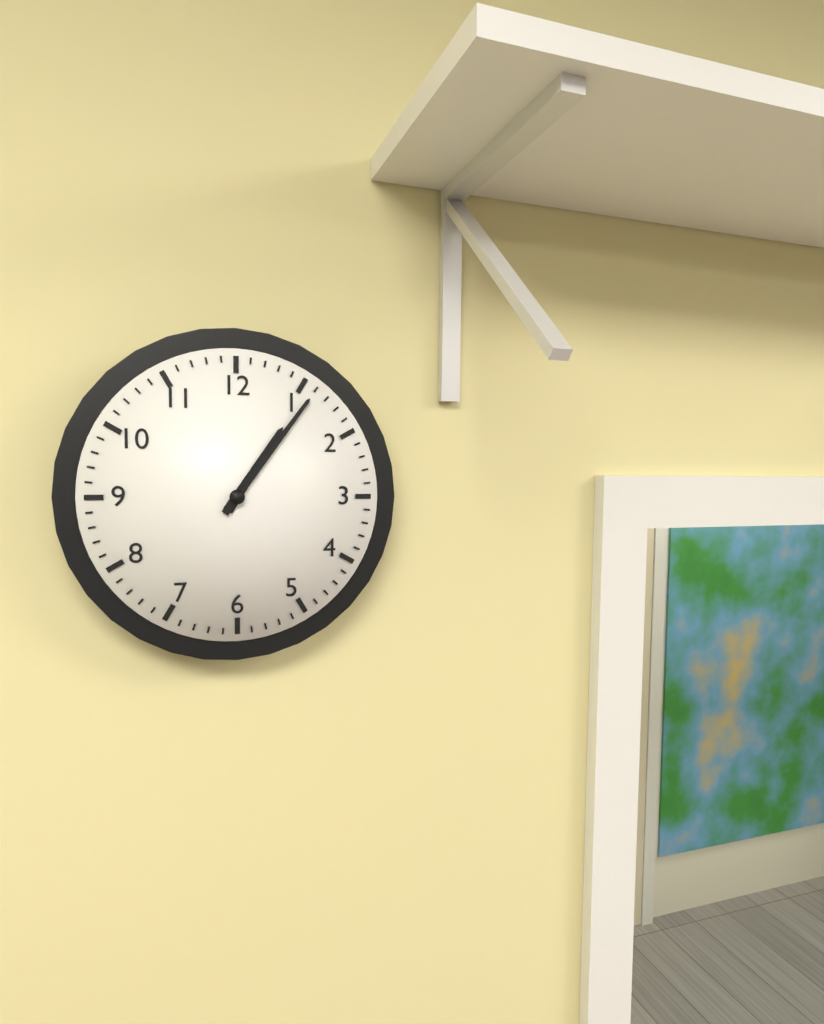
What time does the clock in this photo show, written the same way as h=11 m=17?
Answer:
h=1 m=6
